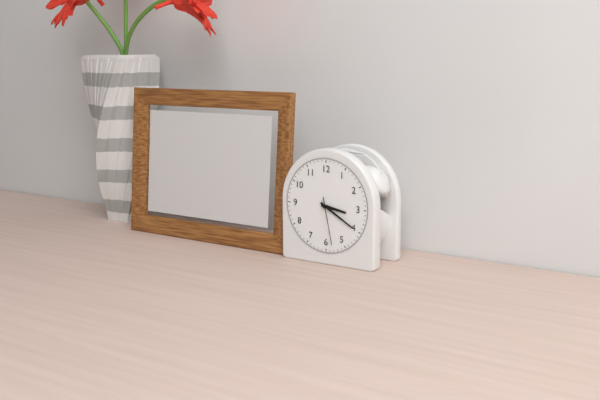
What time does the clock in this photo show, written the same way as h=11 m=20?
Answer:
h=3 m=20
